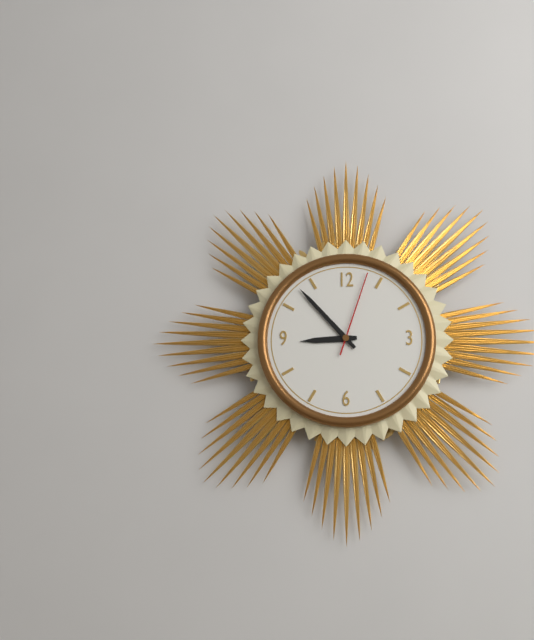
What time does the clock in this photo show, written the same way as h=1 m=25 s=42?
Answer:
h=8 m=53 s=3
